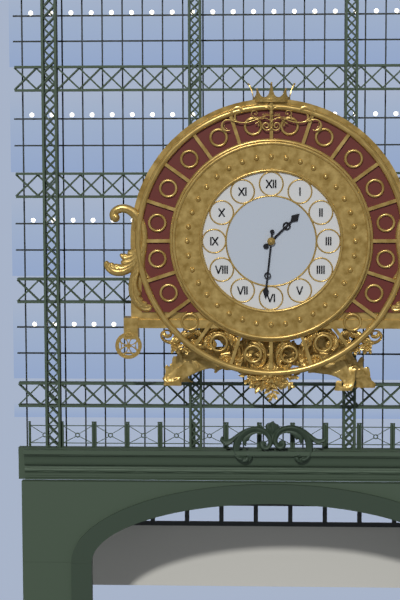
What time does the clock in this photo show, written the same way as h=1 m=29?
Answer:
h=1 m=31
